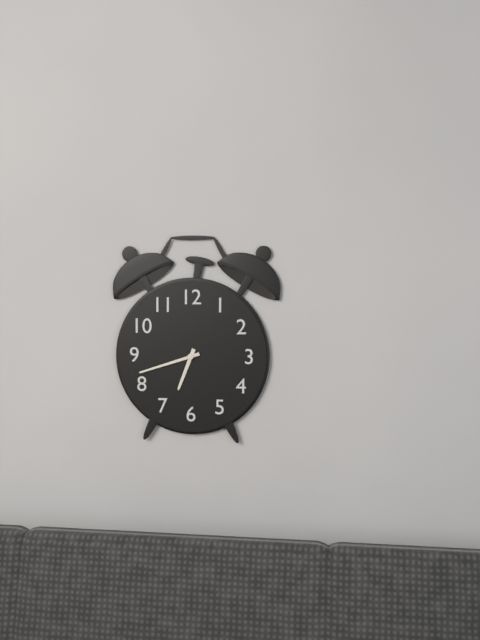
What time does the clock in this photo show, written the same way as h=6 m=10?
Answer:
h=6 m=42
